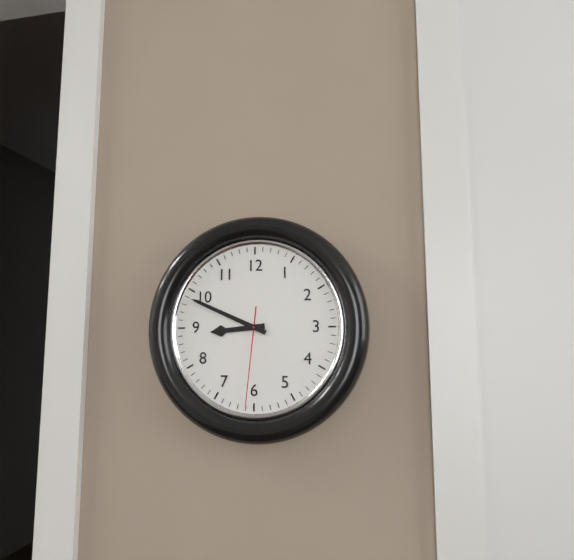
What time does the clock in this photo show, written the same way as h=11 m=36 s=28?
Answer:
h=8 m=49 s=31
